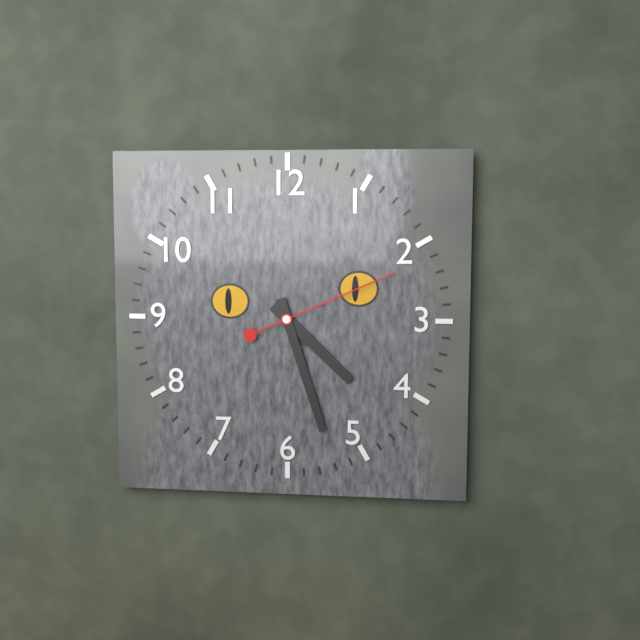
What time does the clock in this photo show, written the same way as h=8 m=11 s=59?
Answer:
h=4 m=27 s=11
